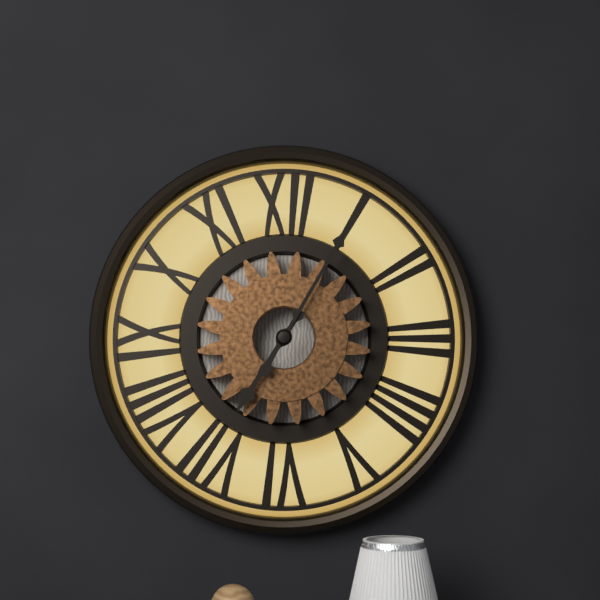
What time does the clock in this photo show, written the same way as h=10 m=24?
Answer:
h=7 m=5
